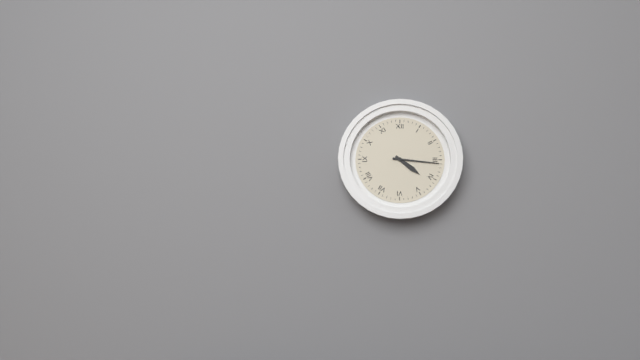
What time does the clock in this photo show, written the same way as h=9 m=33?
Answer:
h=4 m=16
